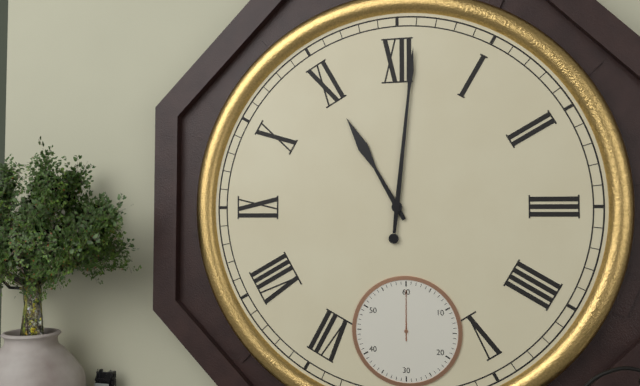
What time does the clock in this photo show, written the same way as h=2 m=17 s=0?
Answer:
h=11 m=1 s=0
